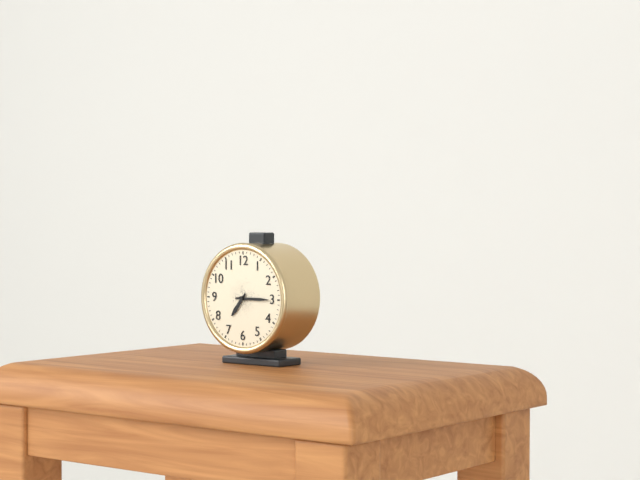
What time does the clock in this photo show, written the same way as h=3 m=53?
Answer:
h=7 m=15
